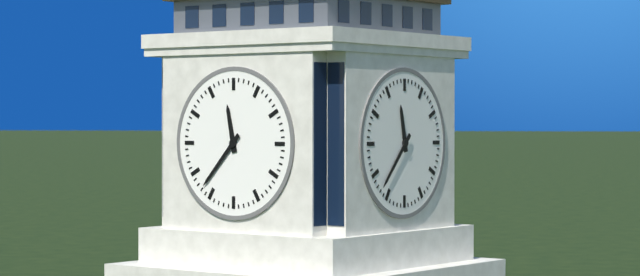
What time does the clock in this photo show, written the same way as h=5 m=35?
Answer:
h=11 m=37
